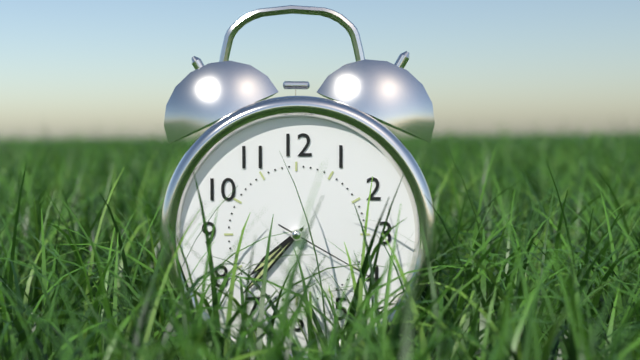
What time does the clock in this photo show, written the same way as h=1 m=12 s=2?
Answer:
h=7 m=37 s=20
